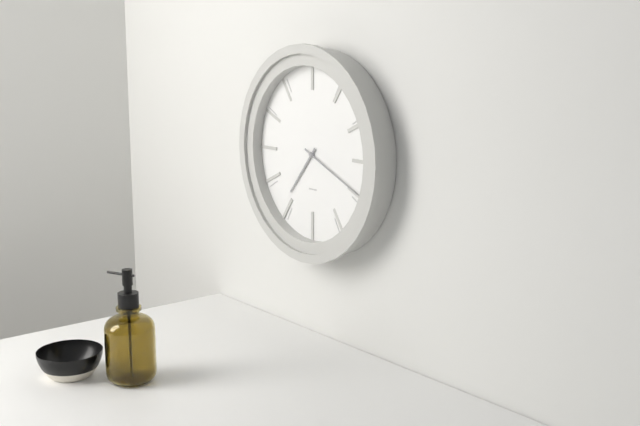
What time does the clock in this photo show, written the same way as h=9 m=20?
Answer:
h=7 m=19
